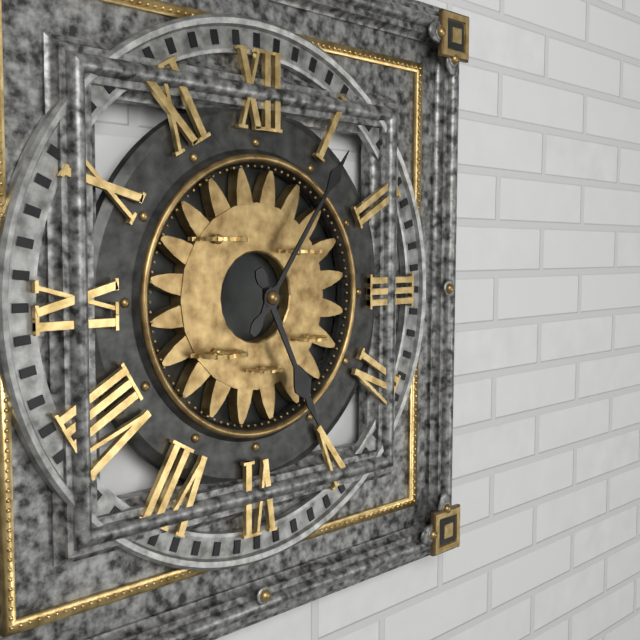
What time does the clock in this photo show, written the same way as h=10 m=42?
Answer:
h=5 m=6
